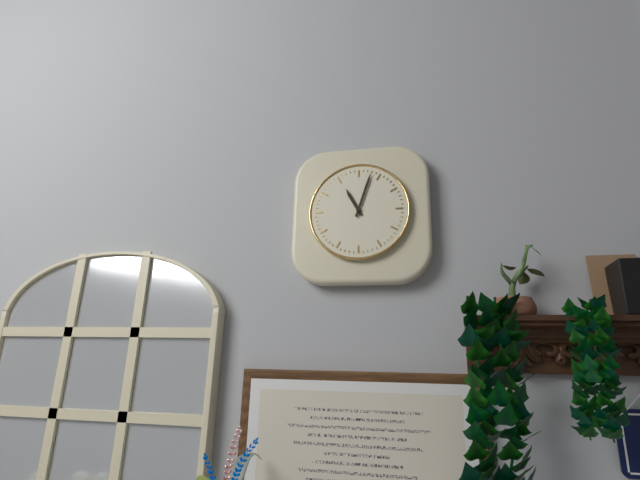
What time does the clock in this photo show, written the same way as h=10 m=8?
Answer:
h=11 m=3
